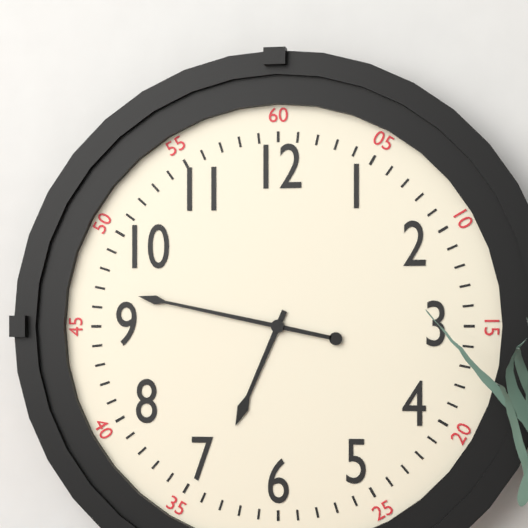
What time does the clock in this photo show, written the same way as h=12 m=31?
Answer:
h=6 m=47
